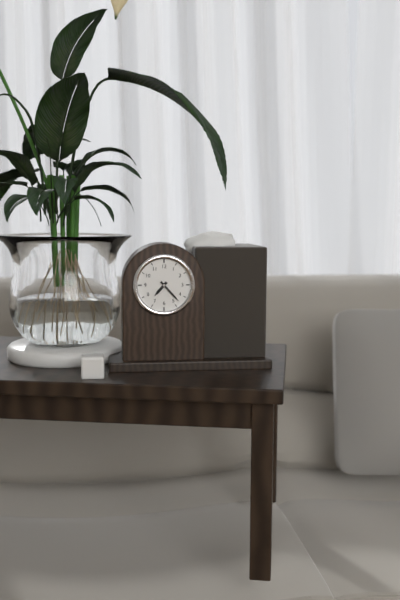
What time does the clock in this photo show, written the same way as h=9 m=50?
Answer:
h=7 m=23
